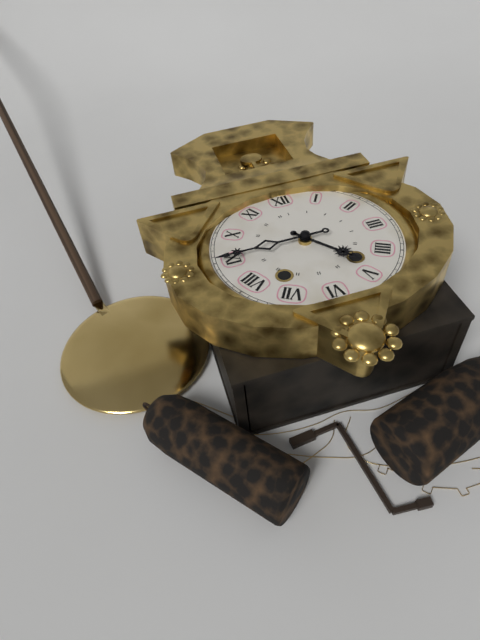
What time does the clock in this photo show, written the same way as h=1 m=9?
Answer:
h=4 m=45
